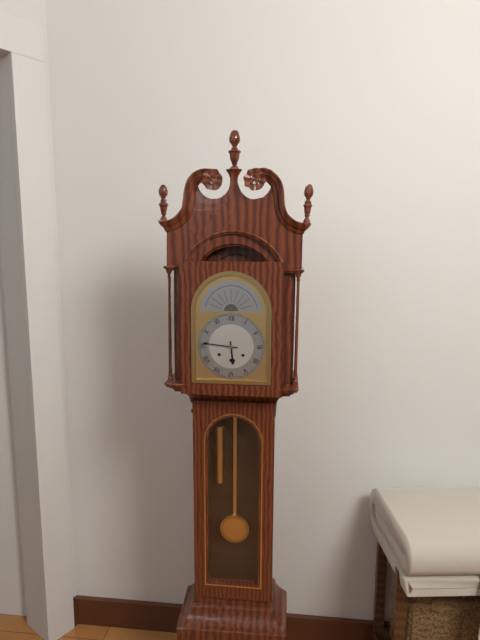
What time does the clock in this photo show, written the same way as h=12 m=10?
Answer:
h=5 m=46
